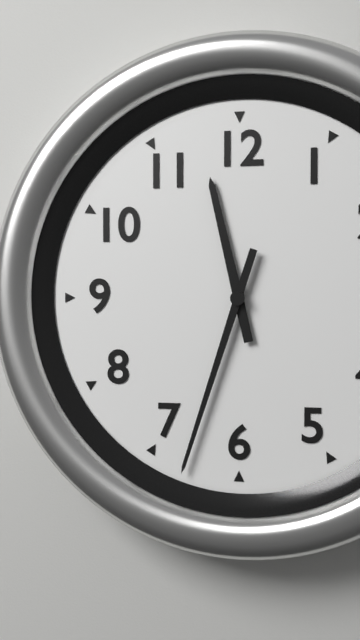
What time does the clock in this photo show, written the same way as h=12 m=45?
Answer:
h=11 m=33
